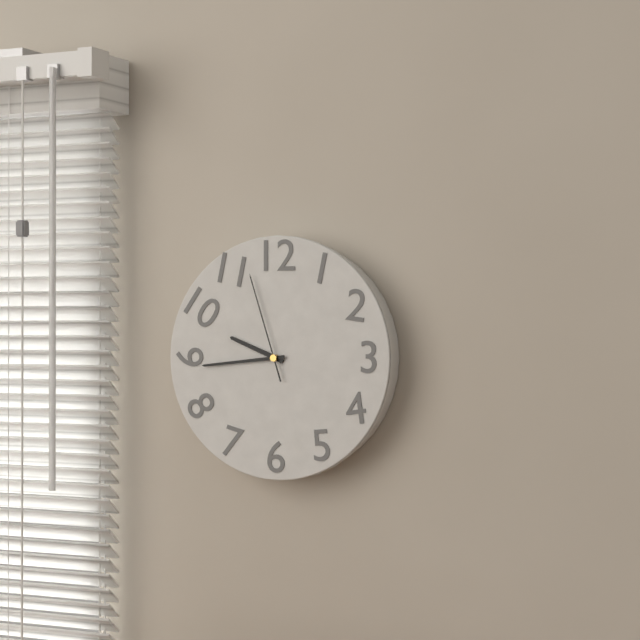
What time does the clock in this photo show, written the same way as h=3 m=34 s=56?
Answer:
h=9 m=44 s=57
